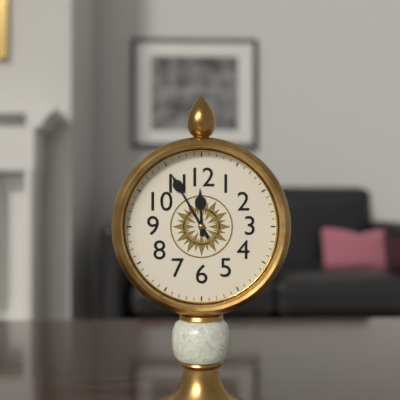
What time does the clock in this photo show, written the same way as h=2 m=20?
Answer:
h=11 m=55
